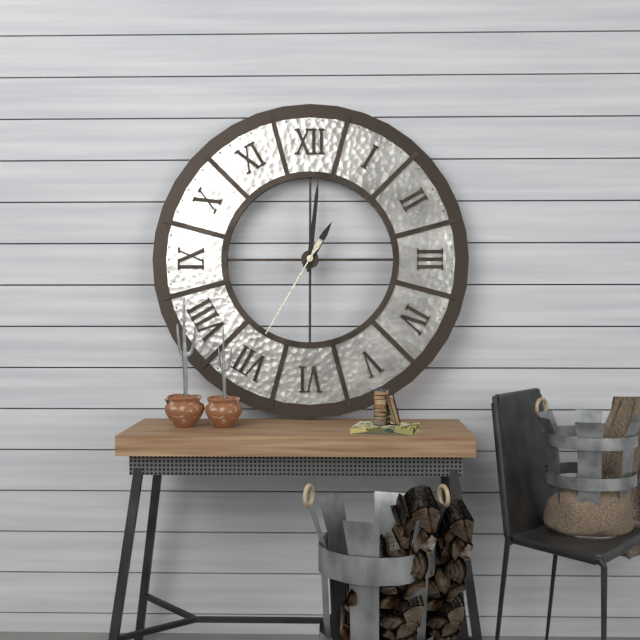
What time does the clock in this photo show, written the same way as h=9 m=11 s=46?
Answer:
h=1 m=1 s=35
